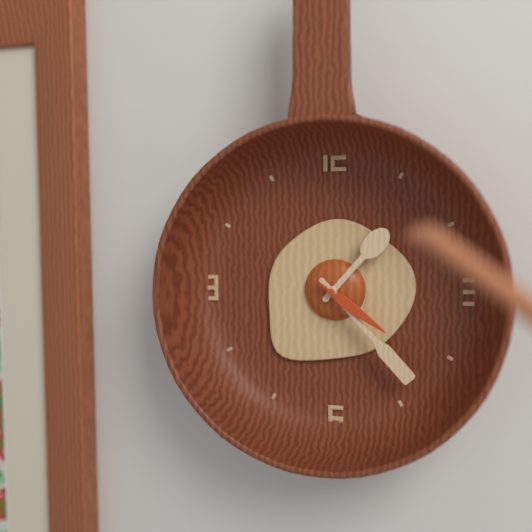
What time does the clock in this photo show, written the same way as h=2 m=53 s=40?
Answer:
h=1 m=23 s=21
